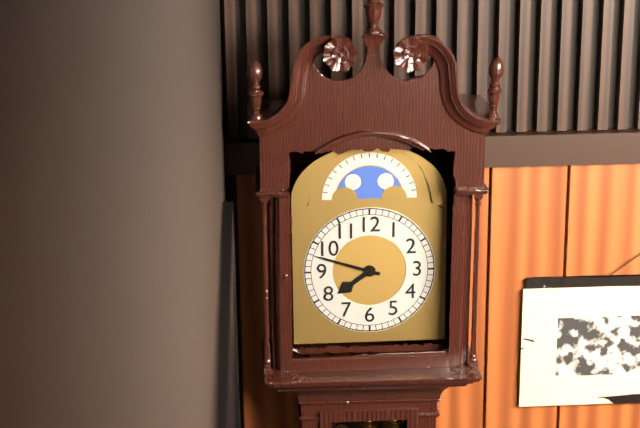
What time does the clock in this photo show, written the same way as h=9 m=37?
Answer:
h=7 m=48
